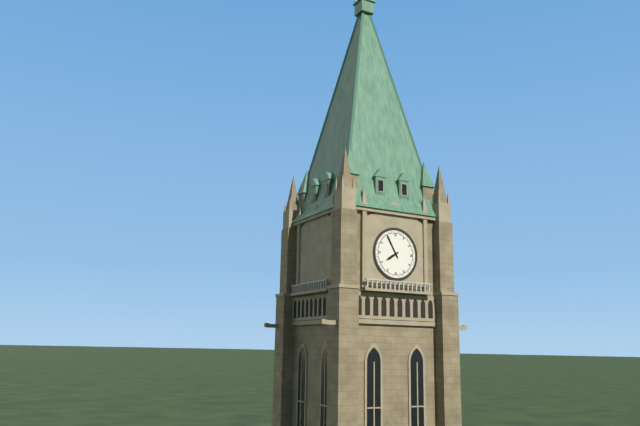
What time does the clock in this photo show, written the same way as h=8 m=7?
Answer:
h=7 m=55
